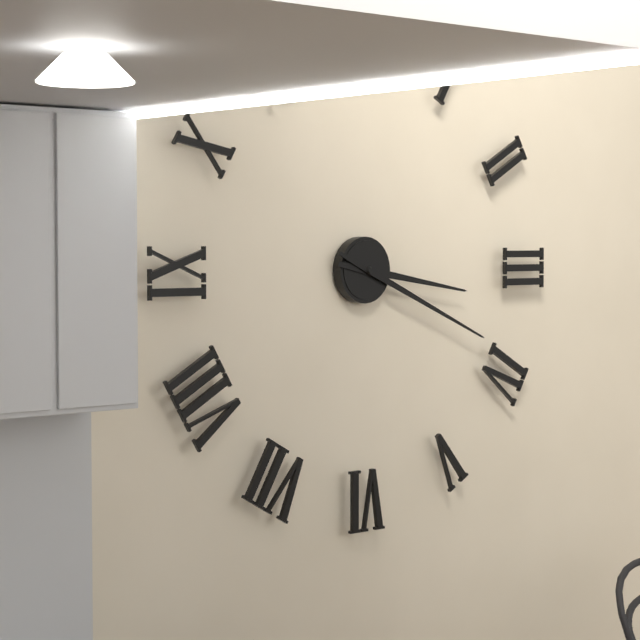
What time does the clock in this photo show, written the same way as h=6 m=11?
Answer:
h=3 m=19
